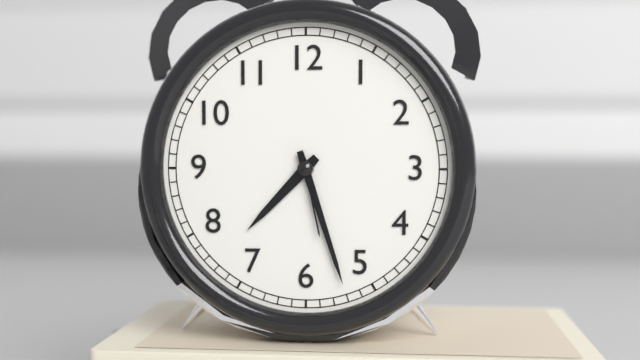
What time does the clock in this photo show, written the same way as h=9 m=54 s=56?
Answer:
h=7 m=27 s=28
